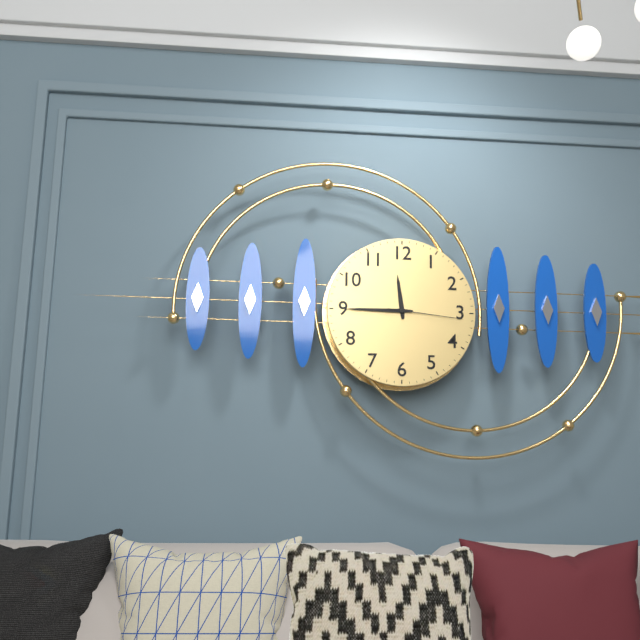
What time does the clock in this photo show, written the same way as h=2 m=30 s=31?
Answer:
h=11 m=45 s=16
